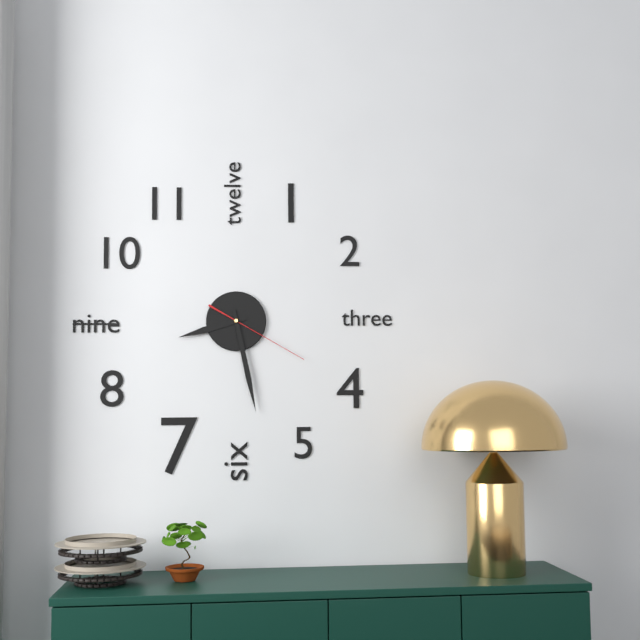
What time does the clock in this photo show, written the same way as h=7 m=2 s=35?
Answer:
h=8 m=28 s=20
